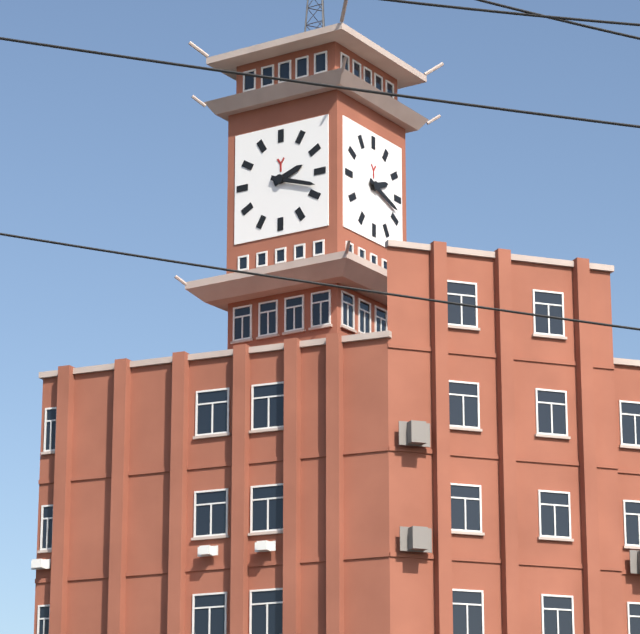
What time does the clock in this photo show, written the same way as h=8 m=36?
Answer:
h=2 m=18
